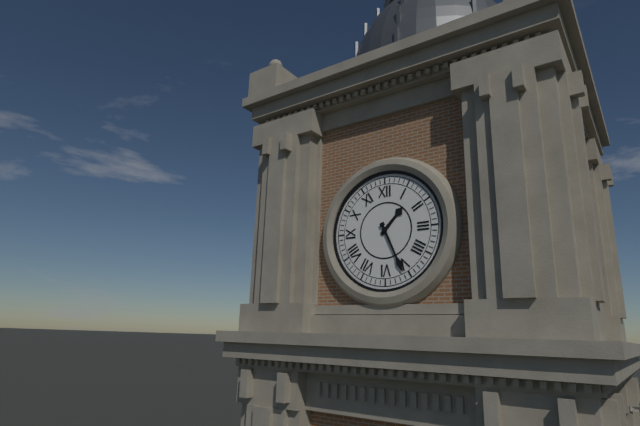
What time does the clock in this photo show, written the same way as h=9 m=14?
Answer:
h=1 m=26
